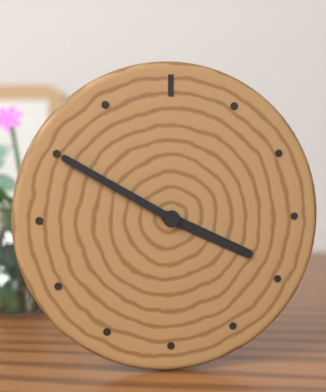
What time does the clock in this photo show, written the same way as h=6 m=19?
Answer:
h=3 m=50
